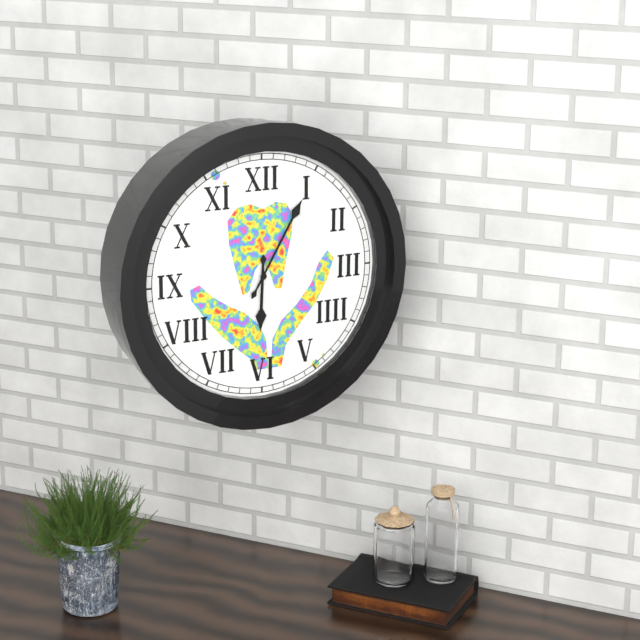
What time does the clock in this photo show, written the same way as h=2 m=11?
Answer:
h=6 m=5
